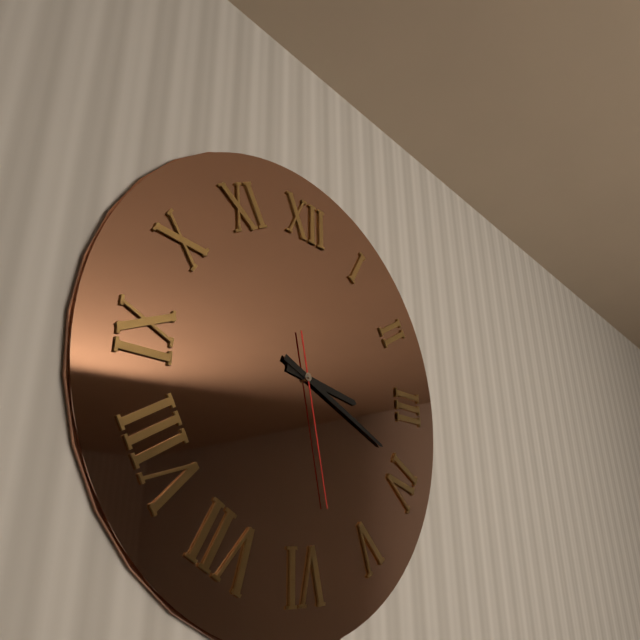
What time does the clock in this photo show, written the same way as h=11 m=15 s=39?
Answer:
h=3 m=19 s=28
